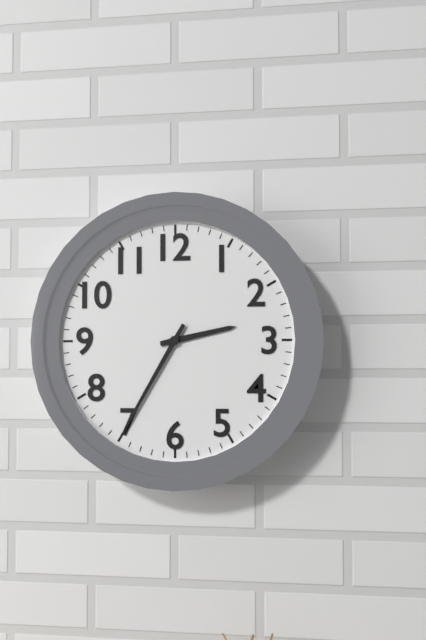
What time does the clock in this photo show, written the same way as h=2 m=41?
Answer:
h=2 m=35
